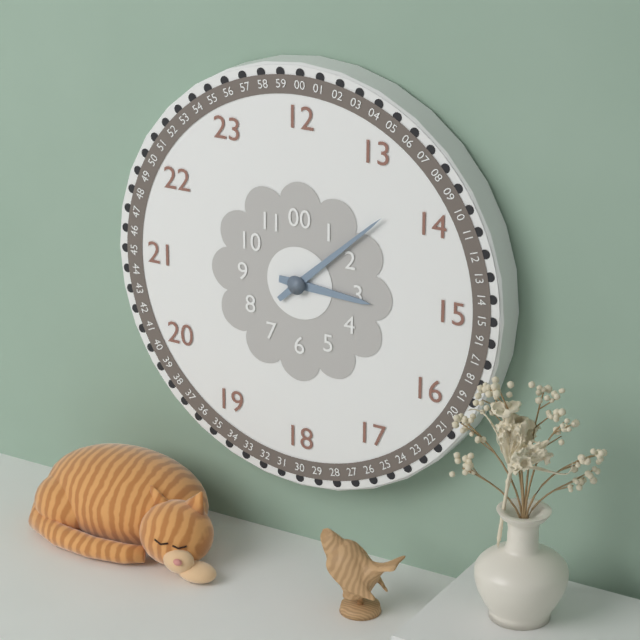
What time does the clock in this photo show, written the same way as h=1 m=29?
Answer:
h=3 m=8
